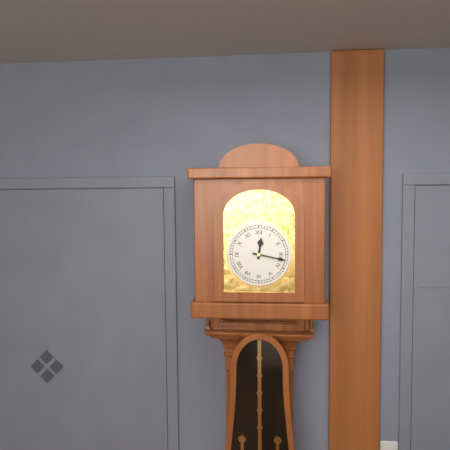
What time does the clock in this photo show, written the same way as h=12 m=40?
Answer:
h=12 m=17
